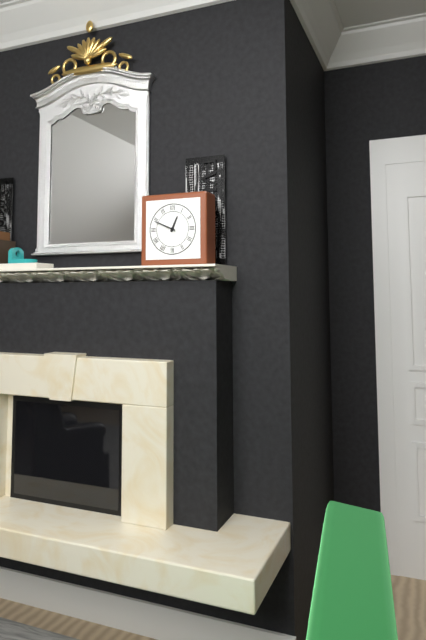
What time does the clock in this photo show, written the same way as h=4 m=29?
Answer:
h=12 m=49
